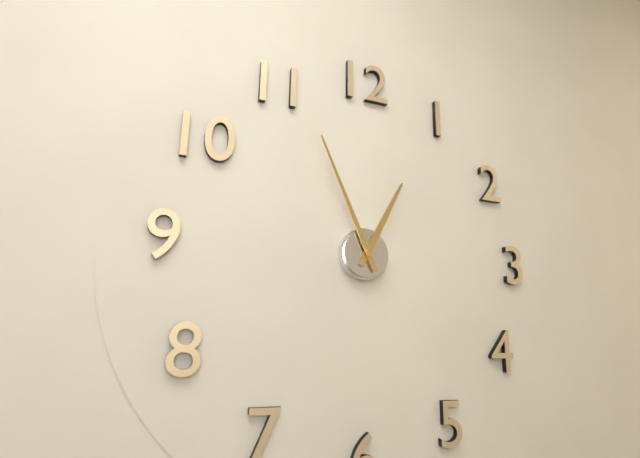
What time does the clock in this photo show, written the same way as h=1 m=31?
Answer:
h=12 m=56
